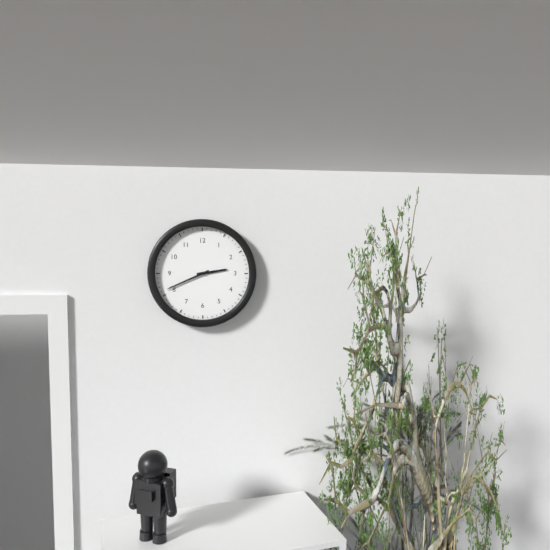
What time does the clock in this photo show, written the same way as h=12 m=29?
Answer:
h=2 m=41
